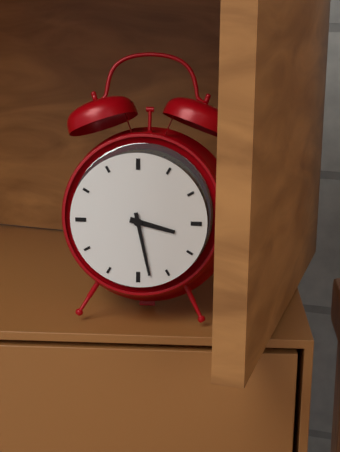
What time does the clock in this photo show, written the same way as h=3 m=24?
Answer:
h=3 m=28
